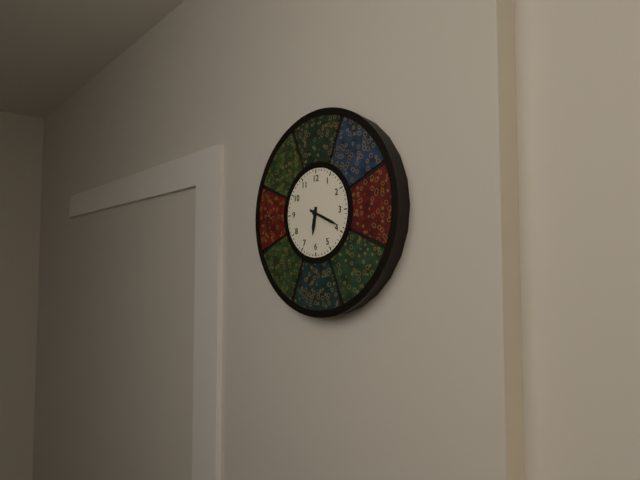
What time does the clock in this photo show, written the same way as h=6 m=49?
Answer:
h=6 m=19
